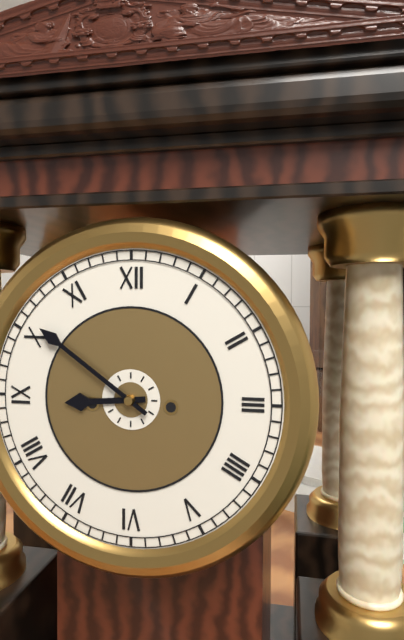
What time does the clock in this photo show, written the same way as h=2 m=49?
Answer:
h=8 m=51
